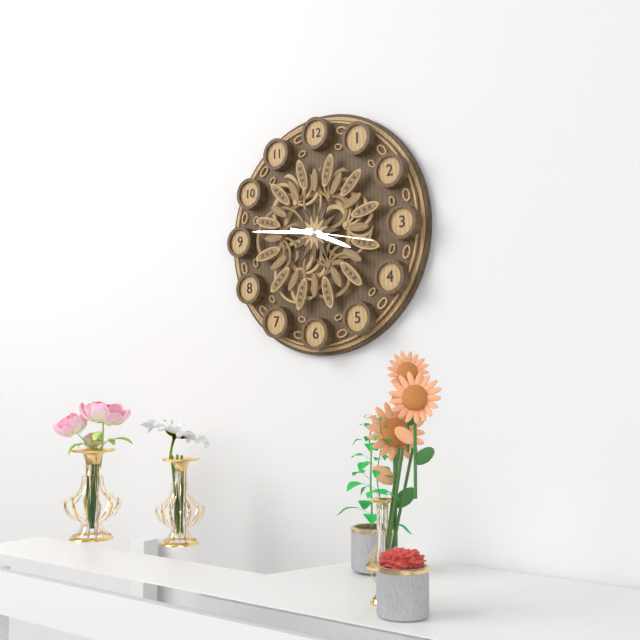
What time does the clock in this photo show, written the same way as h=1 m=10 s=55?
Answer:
h=3 m=46 s=17
